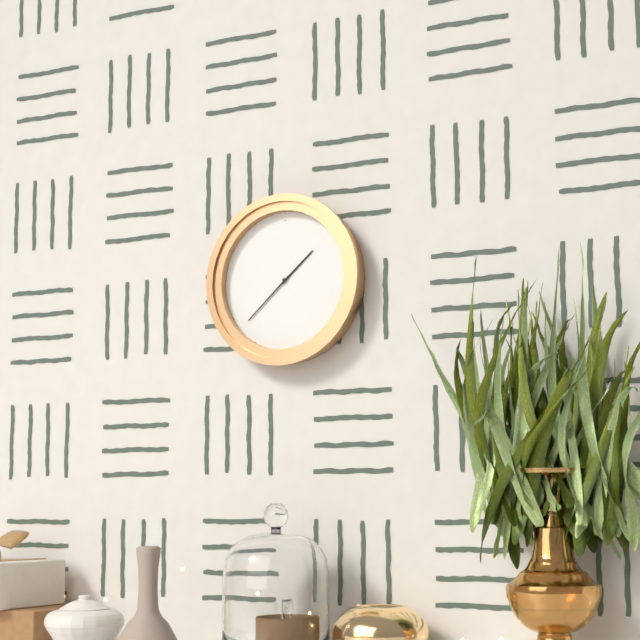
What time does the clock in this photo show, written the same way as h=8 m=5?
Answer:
h=1 m=38
